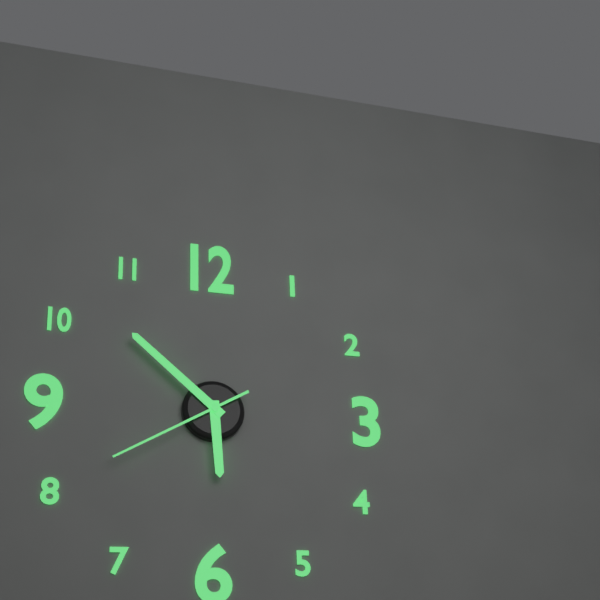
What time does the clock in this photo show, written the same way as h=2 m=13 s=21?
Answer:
h=5 m=52 s=40
